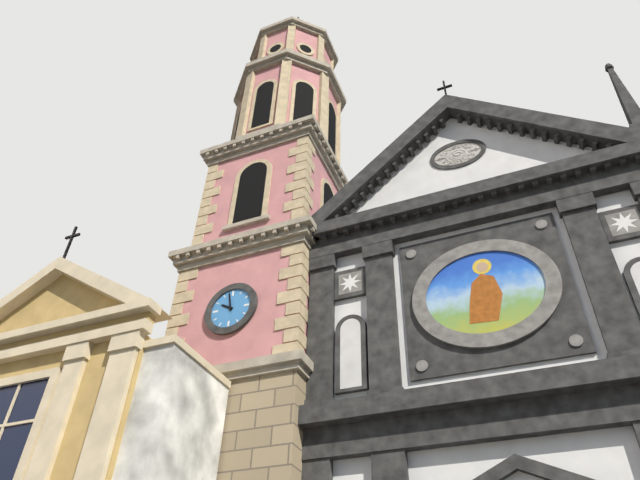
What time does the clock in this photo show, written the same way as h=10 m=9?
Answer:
h=9 m=58
